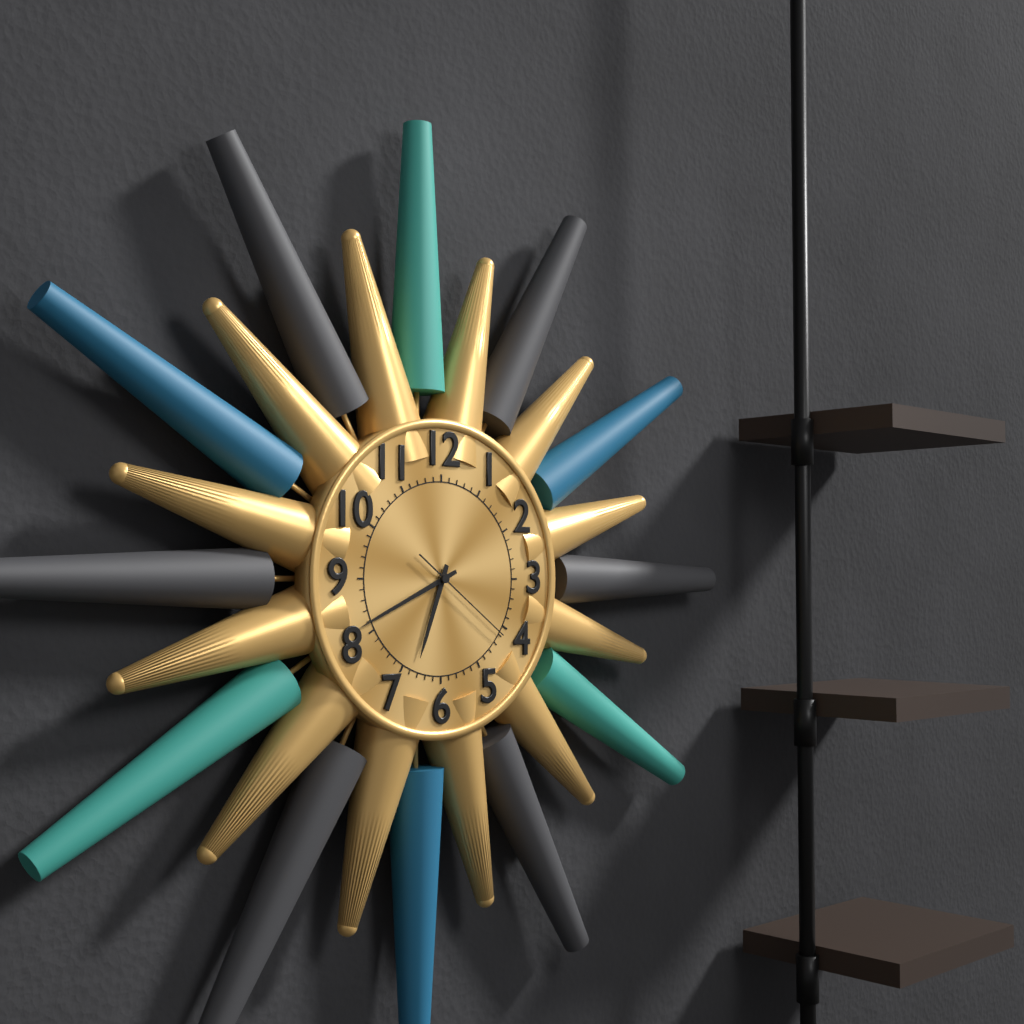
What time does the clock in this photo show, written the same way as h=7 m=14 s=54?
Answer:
h=6 m=41 s=21
